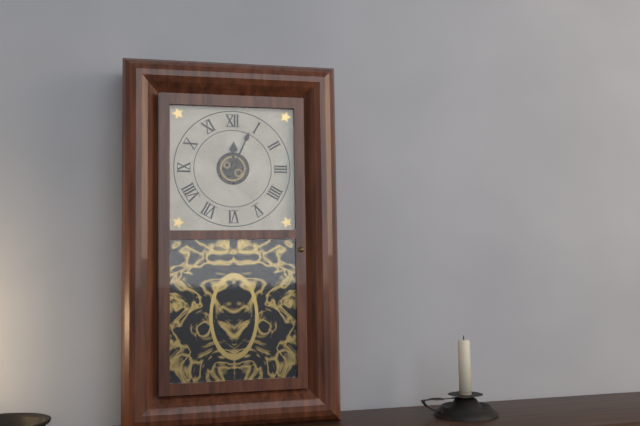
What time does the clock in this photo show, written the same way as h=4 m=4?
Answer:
h=12 m=4
